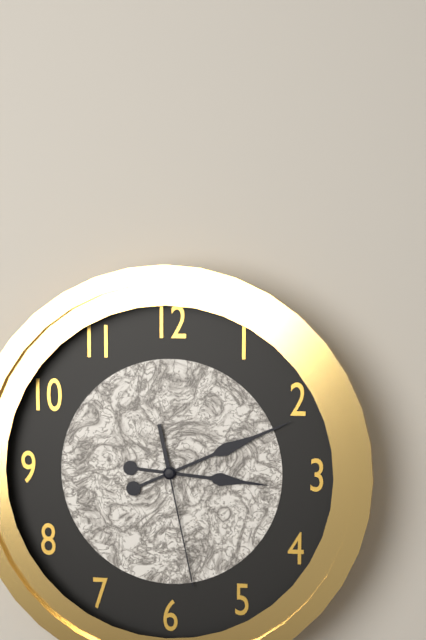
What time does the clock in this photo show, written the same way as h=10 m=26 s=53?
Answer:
h=3 m=11 s=28
